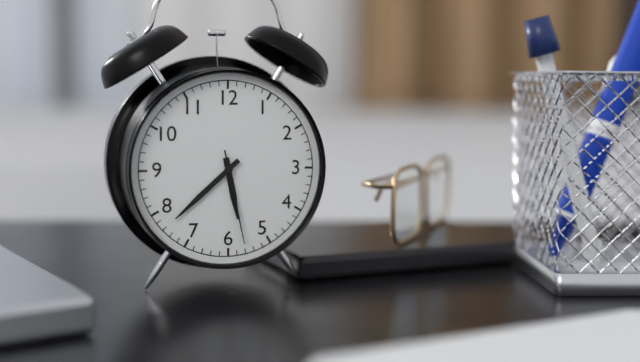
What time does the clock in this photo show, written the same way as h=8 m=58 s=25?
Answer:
h=5 m=38 s=28
